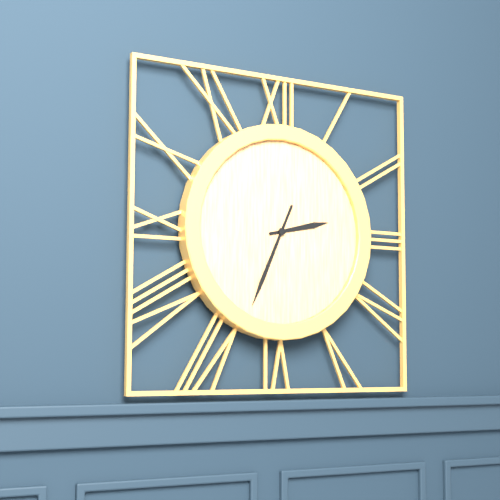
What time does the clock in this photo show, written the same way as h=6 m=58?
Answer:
h=2 m=34
